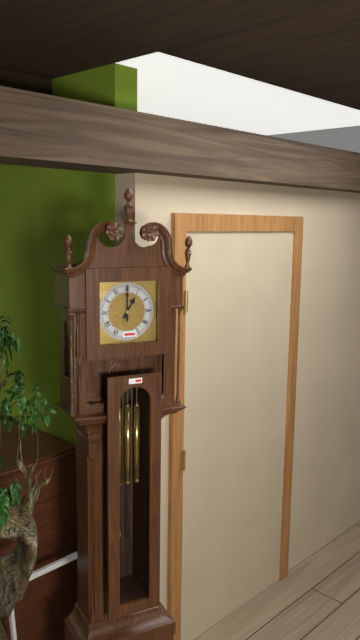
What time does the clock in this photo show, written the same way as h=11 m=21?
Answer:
h=1 m=0
